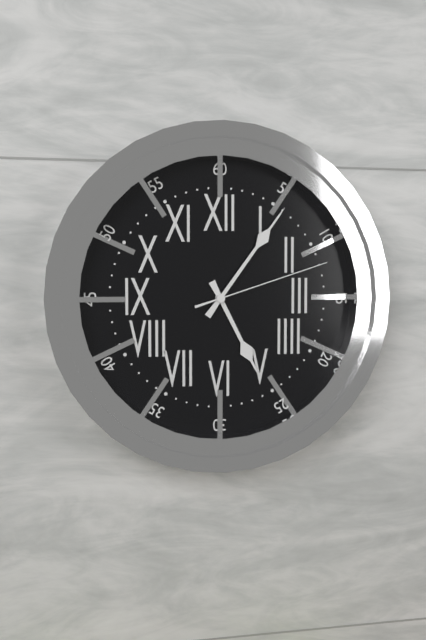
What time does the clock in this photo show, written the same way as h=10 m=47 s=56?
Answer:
h=5 m=6 s=12
